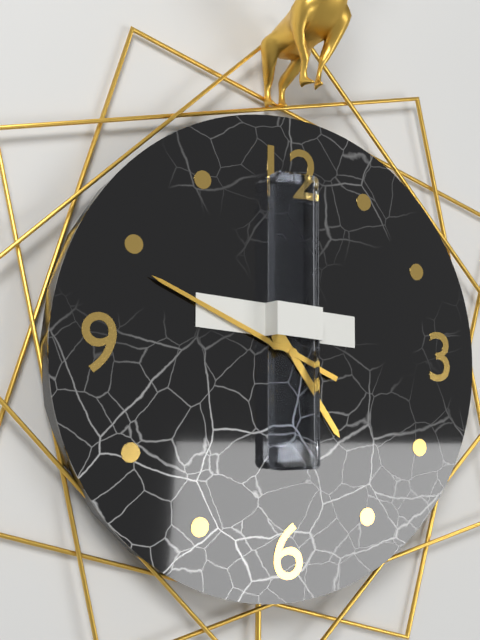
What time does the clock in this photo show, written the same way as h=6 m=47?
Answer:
h=4 m=49
